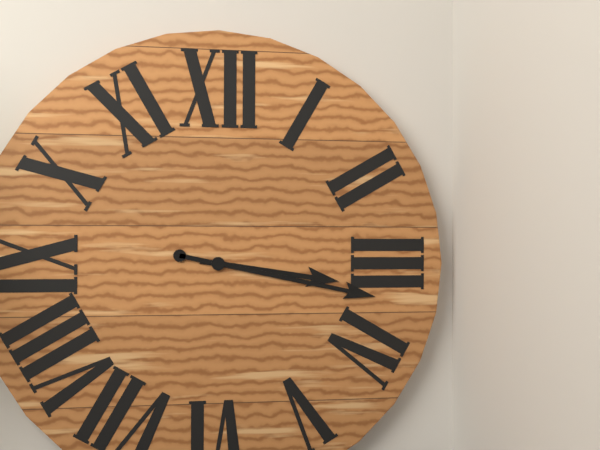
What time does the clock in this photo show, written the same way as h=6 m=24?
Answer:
h=3 m=17
